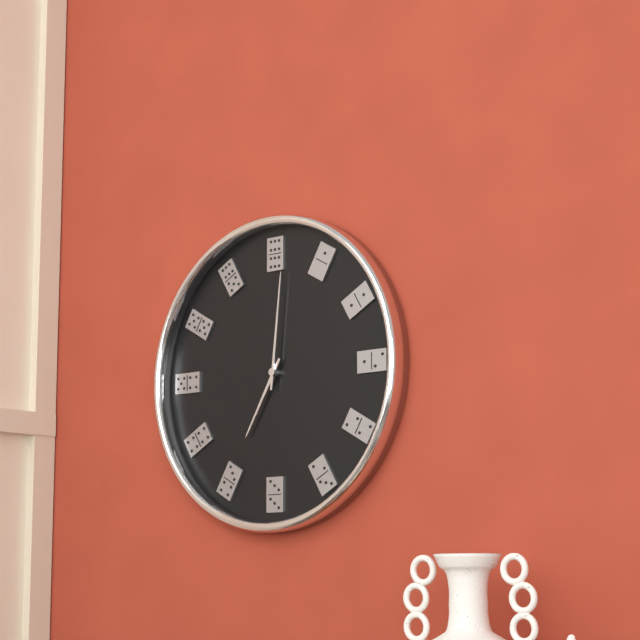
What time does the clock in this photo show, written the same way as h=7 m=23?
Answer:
h=7 m=1
